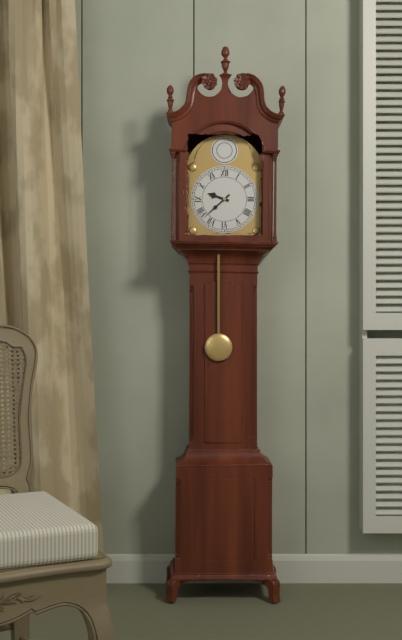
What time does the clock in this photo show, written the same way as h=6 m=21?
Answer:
h=9 m=38
